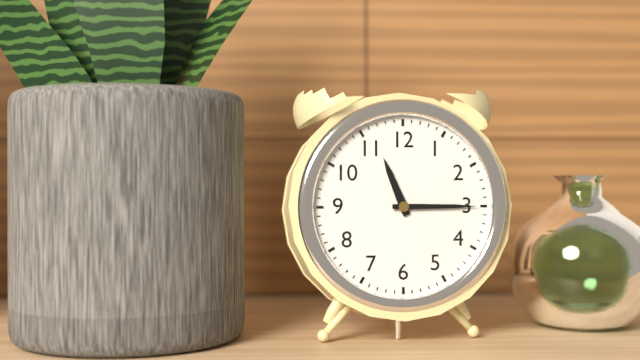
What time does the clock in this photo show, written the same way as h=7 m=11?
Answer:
h=11 m=15
